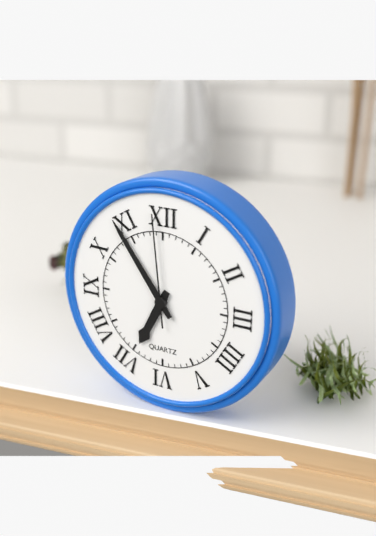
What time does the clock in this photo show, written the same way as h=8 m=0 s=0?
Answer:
h=6 m=54 s=59
